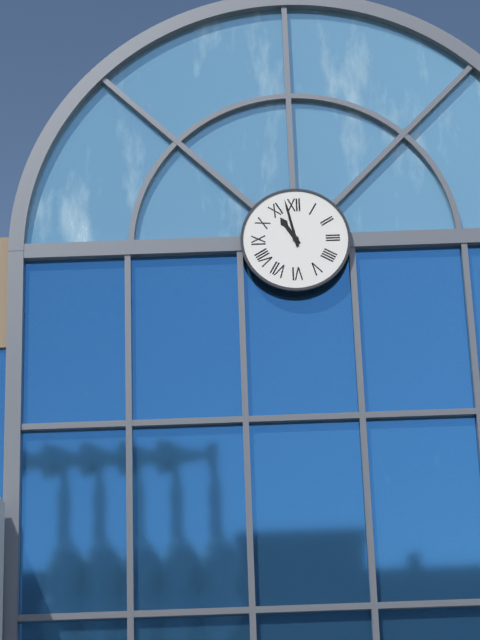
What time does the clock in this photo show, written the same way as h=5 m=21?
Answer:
h=10 m=58
